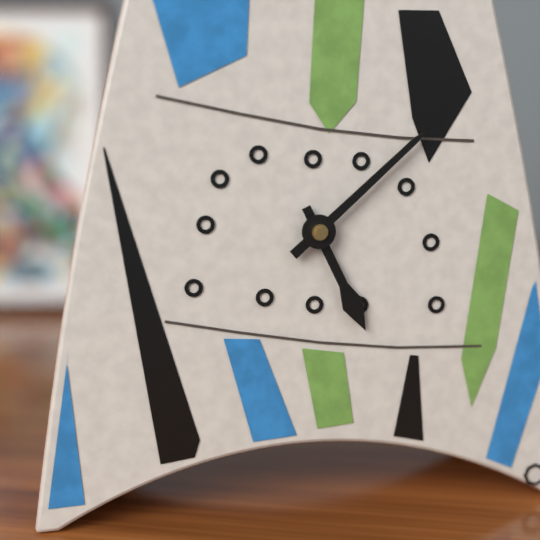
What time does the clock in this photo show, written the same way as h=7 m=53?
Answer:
h=5 m=8
